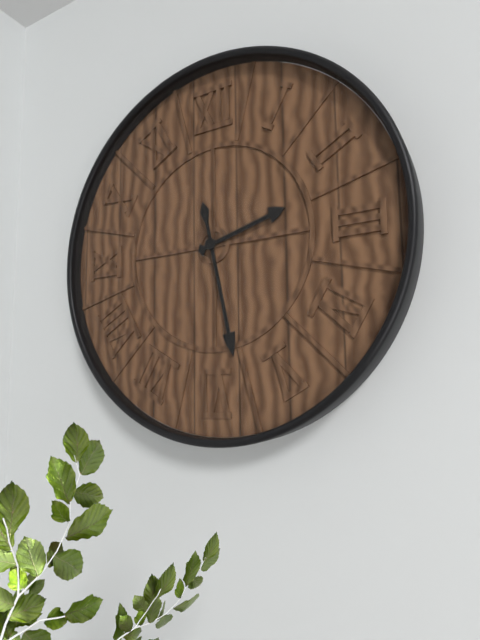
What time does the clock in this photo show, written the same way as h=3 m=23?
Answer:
h=2 m=28
